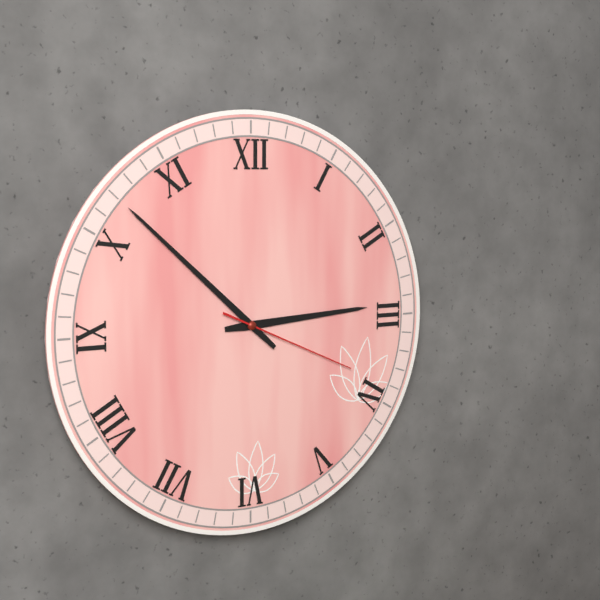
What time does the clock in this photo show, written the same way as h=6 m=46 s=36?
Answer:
h=2 m=52 s=19
